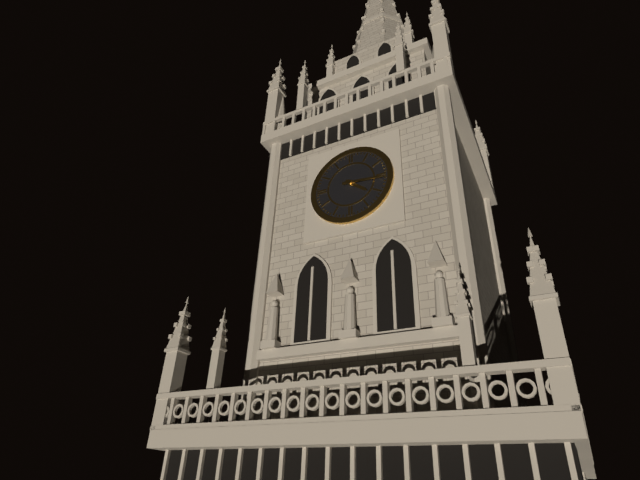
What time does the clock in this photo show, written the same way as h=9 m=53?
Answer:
h=4 m=16
